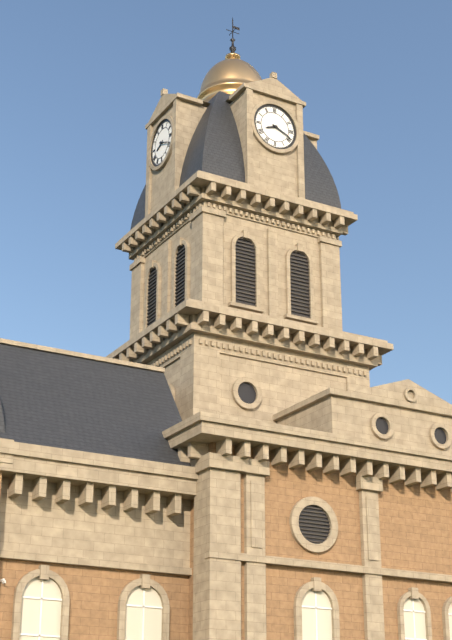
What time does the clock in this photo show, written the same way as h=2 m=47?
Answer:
h=8 m=19
